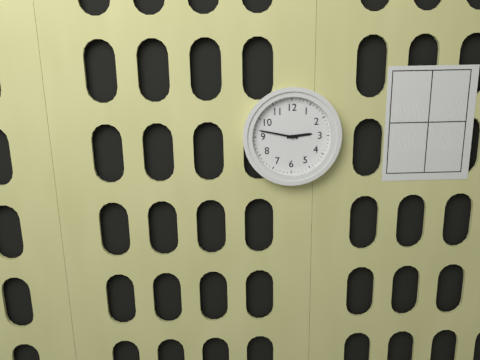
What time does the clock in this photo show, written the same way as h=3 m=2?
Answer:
h=2 m=47
